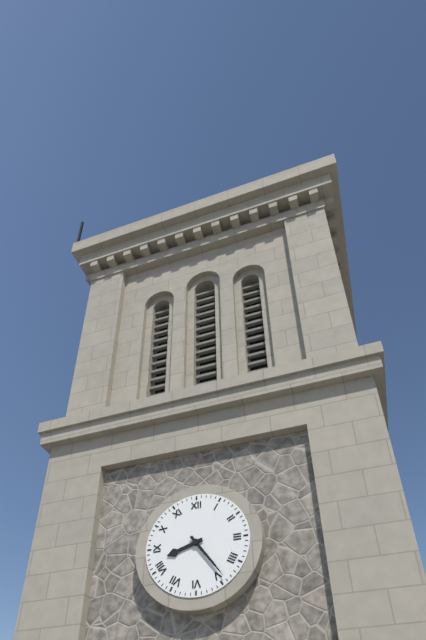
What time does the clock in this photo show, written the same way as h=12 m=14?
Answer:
h=8 m=24
